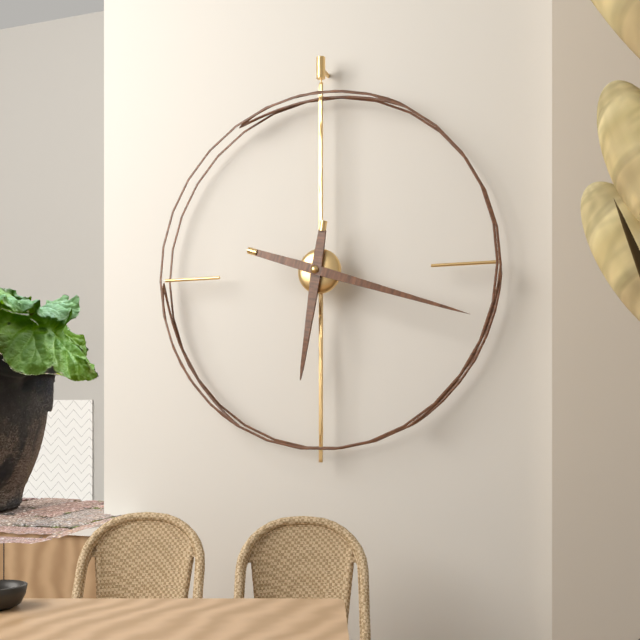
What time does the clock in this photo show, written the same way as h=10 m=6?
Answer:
h=6 m=18
